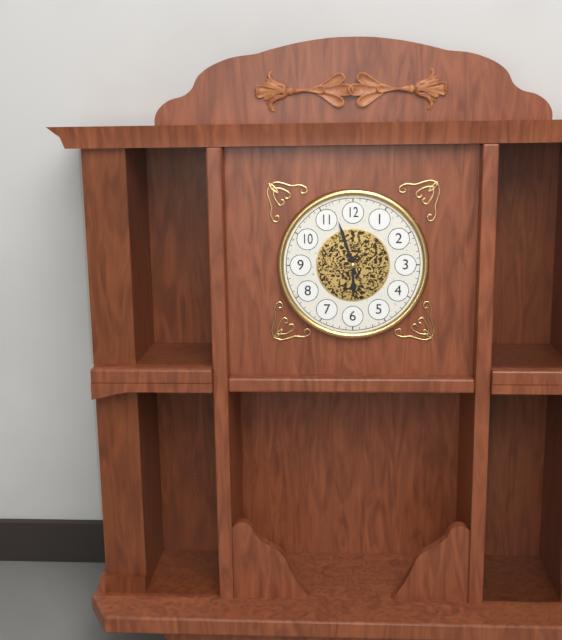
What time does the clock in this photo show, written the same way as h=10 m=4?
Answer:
h=5 m=57
